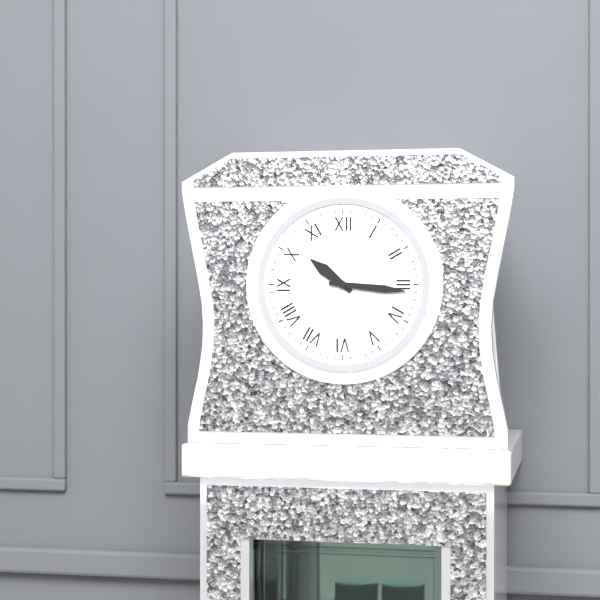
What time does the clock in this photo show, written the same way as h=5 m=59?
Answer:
h=10 m=16
